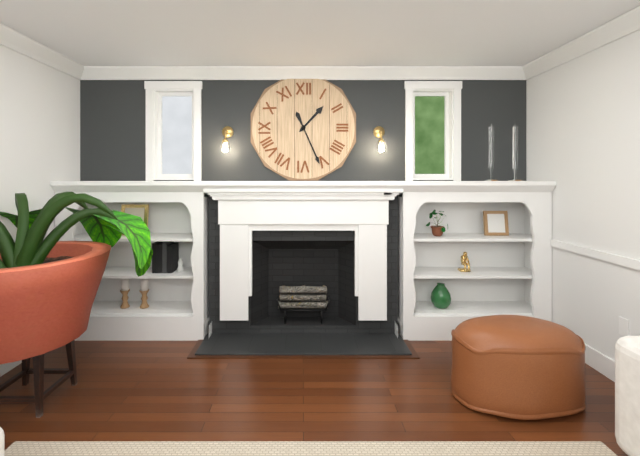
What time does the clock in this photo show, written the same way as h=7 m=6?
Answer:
h=1 m=26
